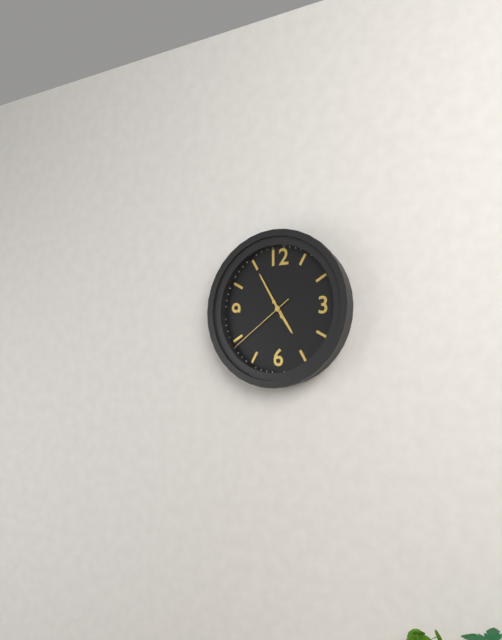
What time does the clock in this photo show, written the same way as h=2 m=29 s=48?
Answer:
h=4 m=55 s=39
